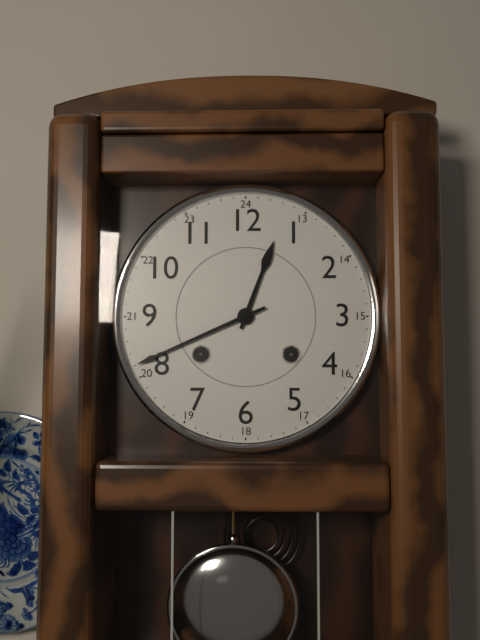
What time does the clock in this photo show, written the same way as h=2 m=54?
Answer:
h=12 m=41
